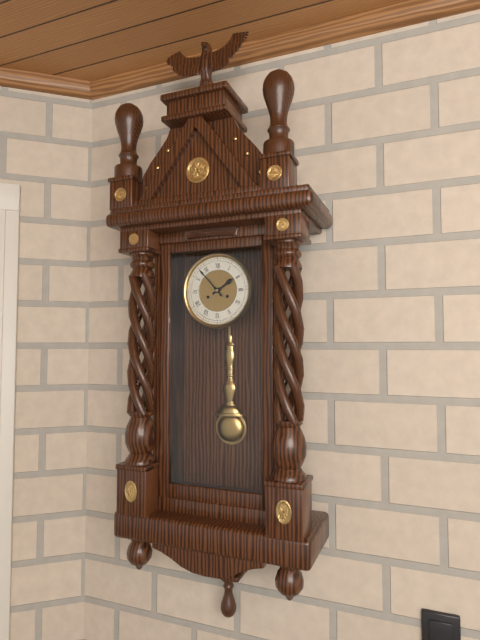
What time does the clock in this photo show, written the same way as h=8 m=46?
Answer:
h=1 m=53
